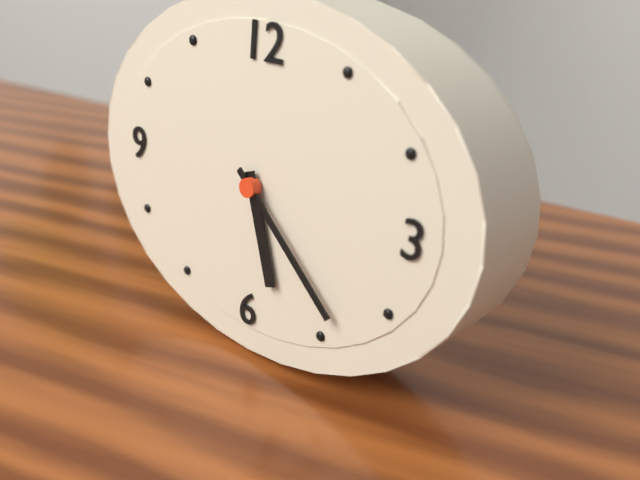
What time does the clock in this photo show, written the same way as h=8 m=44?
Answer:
h=5 m=22
